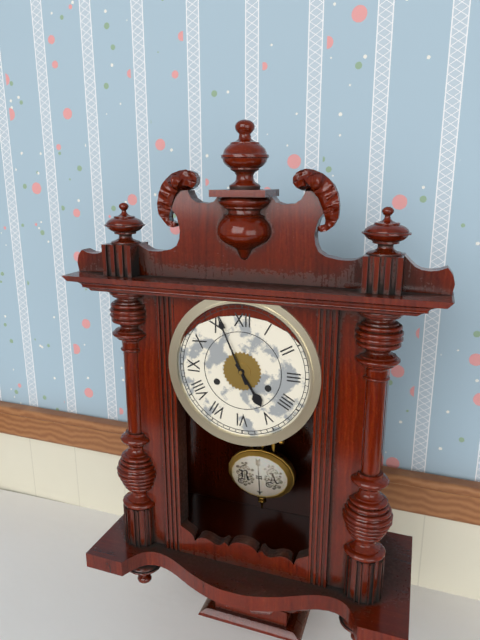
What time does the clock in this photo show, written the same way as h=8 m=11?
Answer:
h=4 m=56
